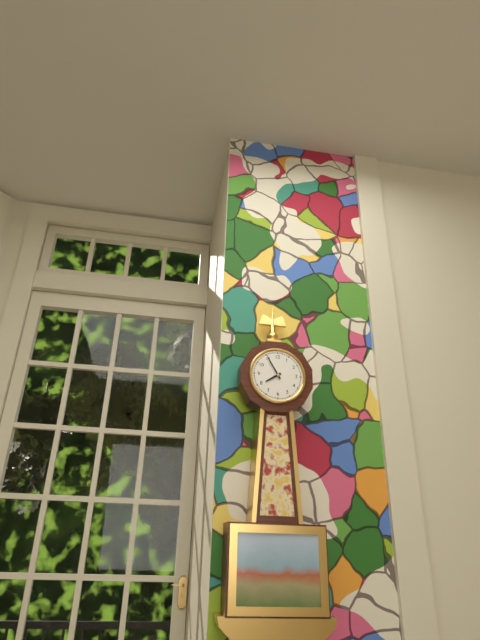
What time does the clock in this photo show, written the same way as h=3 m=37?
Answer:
h=7 m=55
